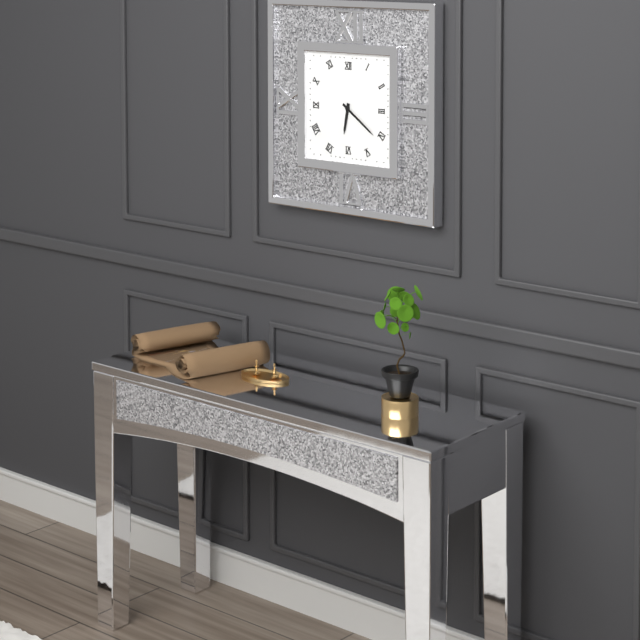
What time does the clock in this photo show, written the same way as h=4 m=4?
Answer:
h=6 m=21
